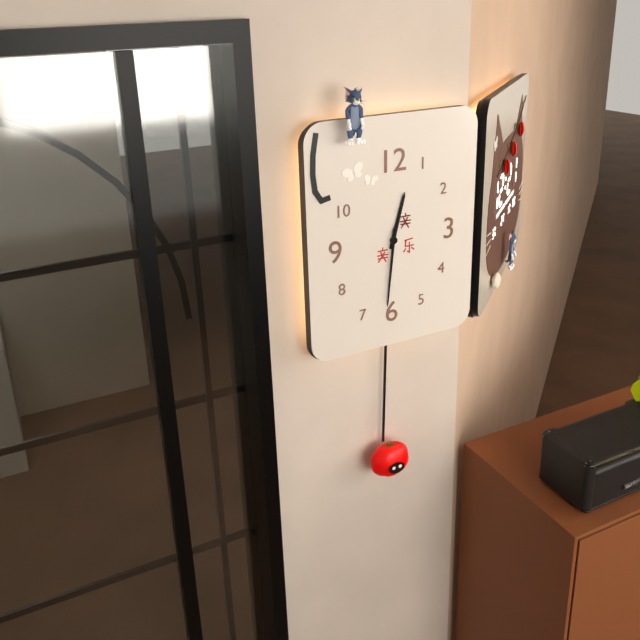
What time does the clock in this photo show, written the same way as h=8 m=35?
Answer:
h=12 m=31
